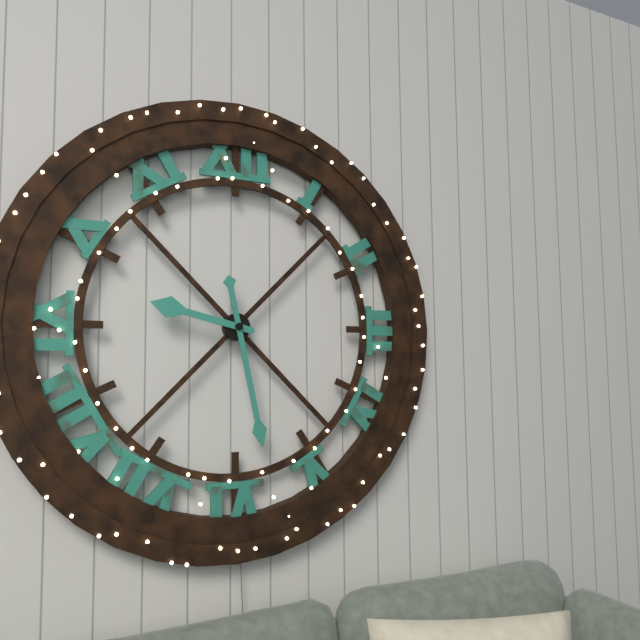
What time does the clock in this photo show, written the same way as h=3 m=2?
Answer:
h=9 m=28
